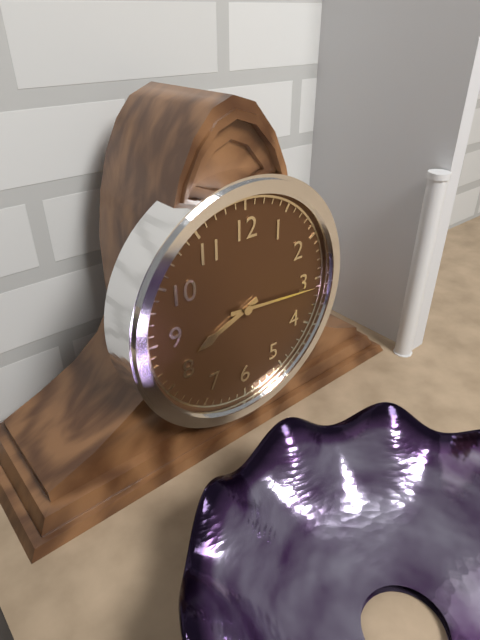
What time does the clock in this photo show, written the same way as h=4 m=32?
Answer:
h=8 m=16
